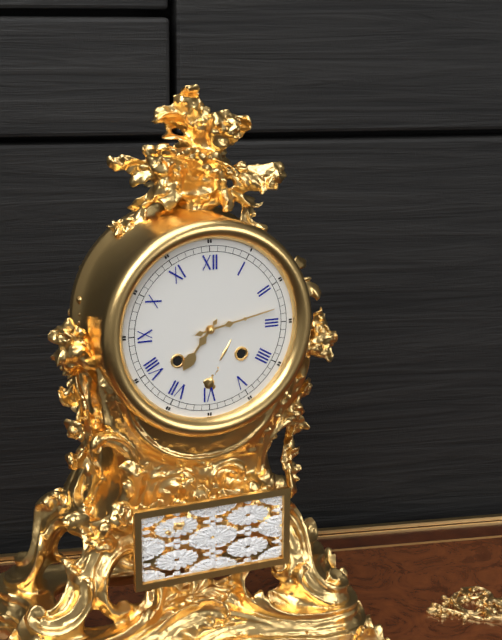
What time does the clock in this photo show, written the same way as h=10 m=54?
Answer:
h=7 m=13
